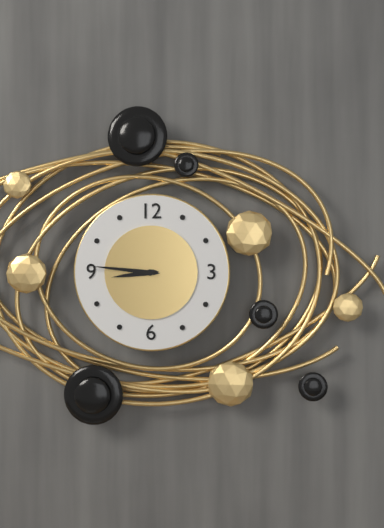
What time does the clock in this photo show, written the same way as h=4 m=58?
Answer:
h=8 m=46
